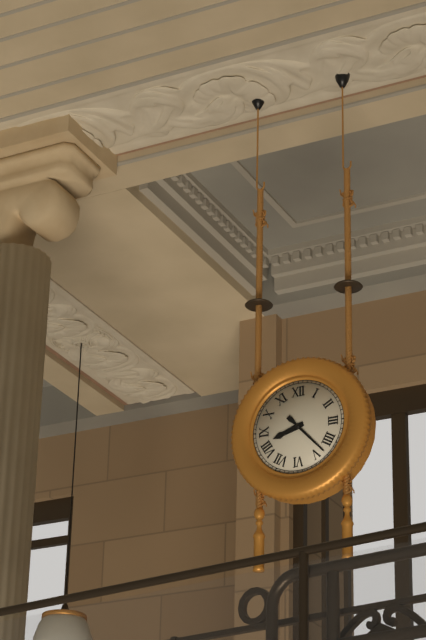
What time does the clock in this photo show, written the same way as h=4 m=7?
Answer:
h=8 m=23
